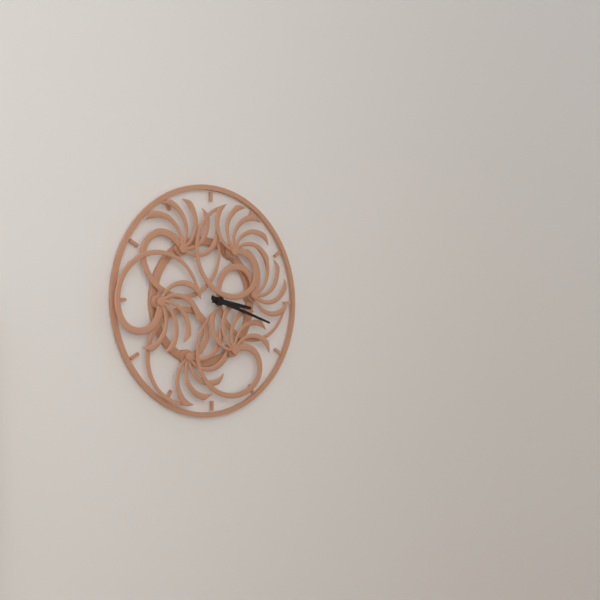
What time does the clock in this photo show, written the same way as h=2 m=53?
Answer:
h=3 m=18
